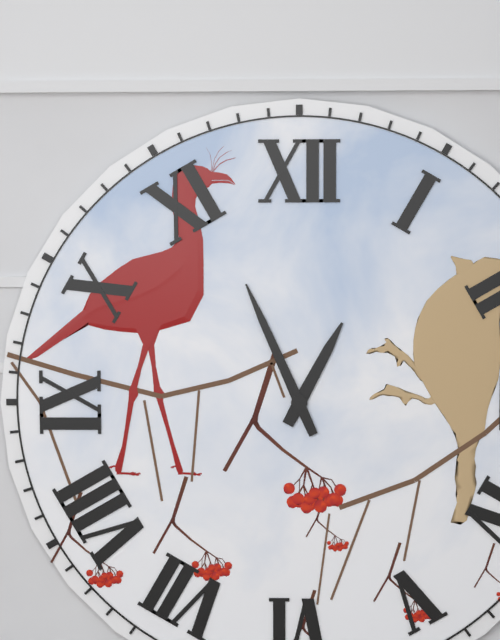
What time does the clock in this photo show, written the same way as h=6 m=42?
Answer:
h=12 m=56
